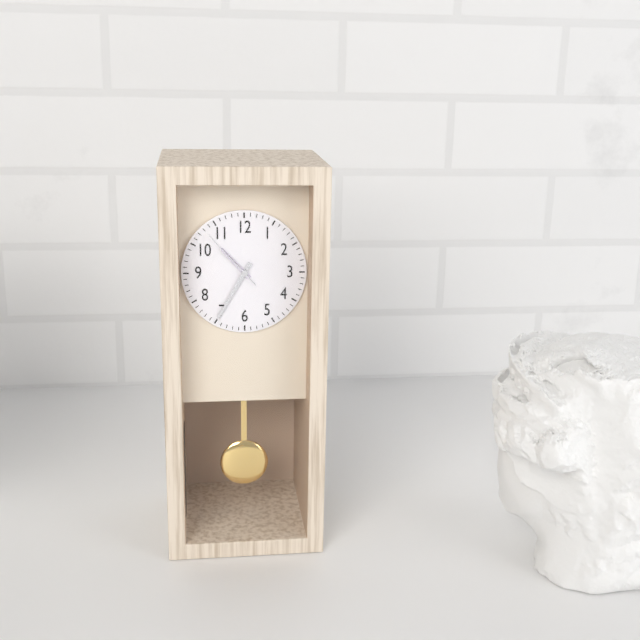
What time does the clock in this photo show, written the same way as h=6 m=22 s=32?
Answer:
h=10 m=35 s=53
